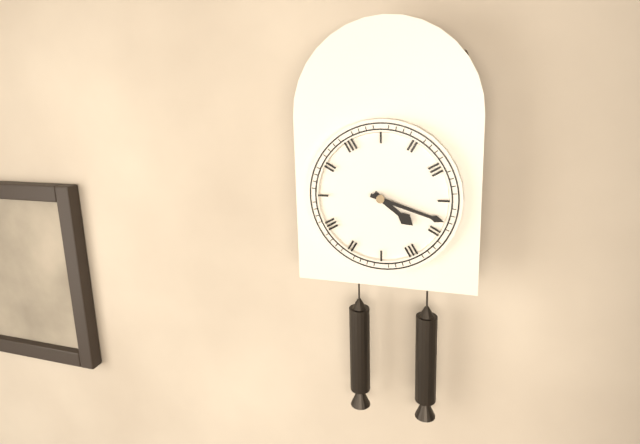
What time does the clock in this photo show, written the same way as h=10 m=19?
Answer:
h=4 m=18
